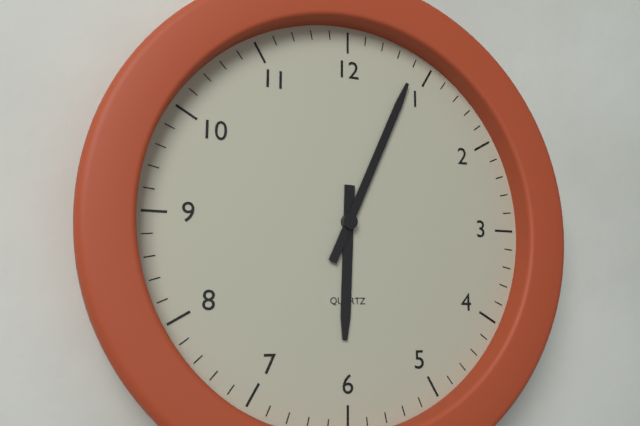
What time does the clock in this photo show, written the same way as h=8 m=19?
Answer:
h=6 m=4
